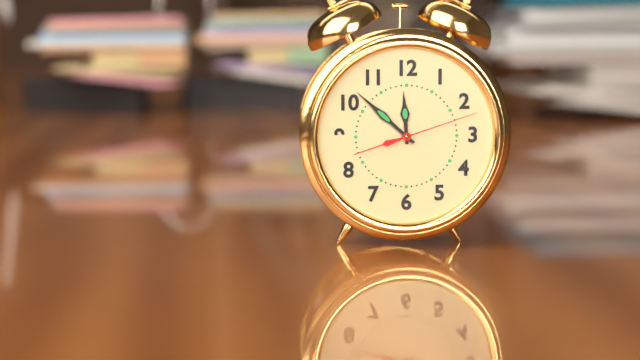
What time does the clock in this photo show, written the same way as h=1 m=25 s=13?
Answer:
h=11 m=52 s=12
